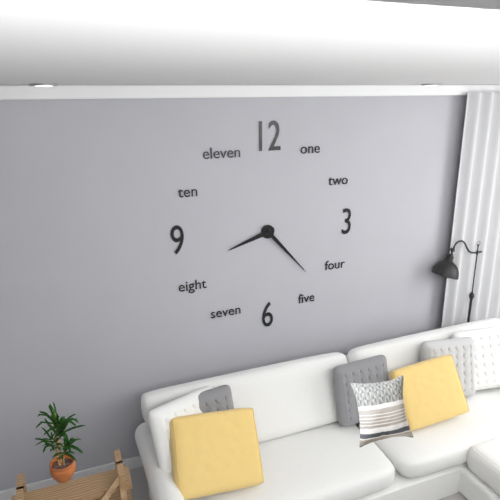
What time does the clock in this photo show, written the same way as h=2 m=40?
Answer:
h=8 m=23
